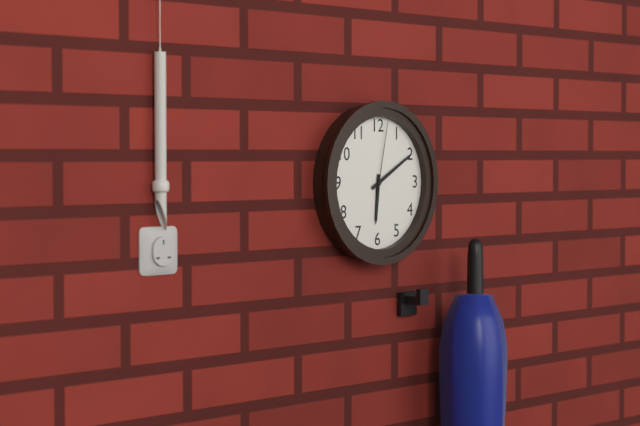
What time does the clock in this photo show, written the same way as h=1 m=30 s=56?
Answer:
h=6 m=10 s=2
